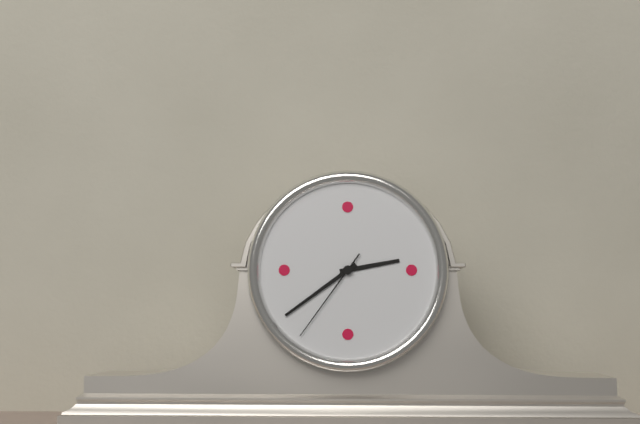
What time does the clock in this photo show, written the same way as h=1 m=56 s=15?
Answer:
h=2 m=39 s=36
